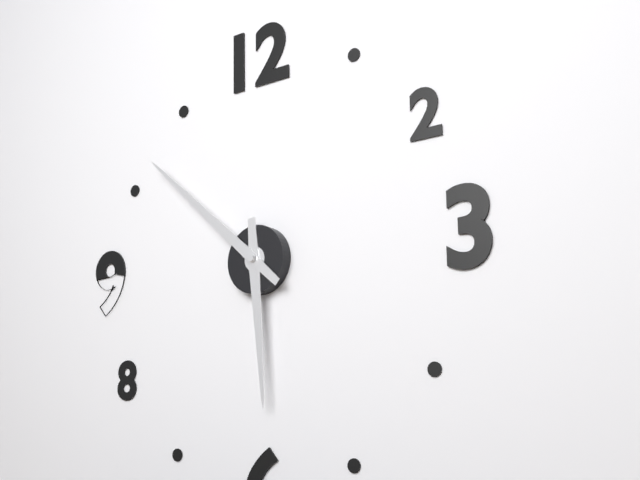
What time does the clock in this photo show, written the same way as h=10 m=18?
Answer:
h=5 m=52
